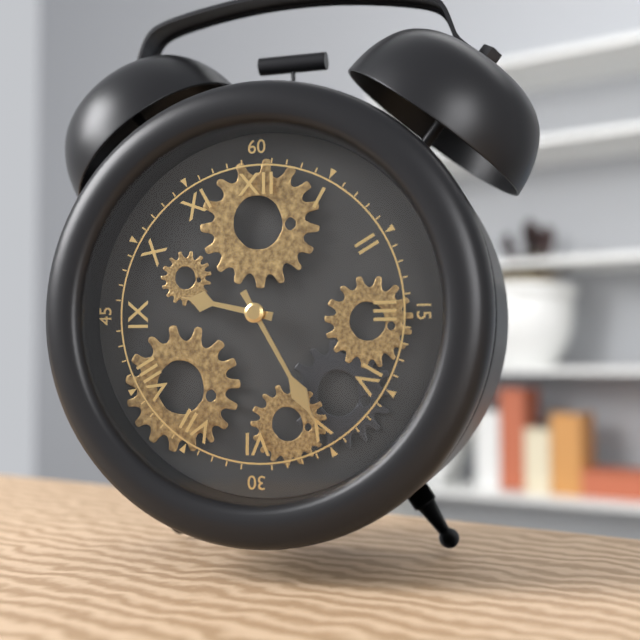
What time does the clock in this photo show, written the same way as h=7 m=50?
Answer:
h=9 m=25
